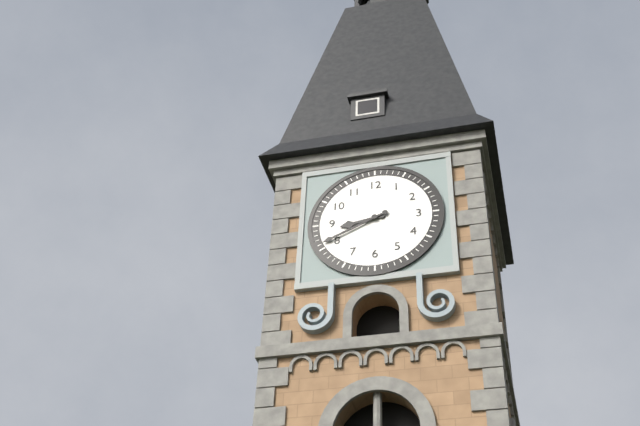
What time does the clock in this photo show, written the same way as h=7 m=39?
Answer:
h=8 m=41
